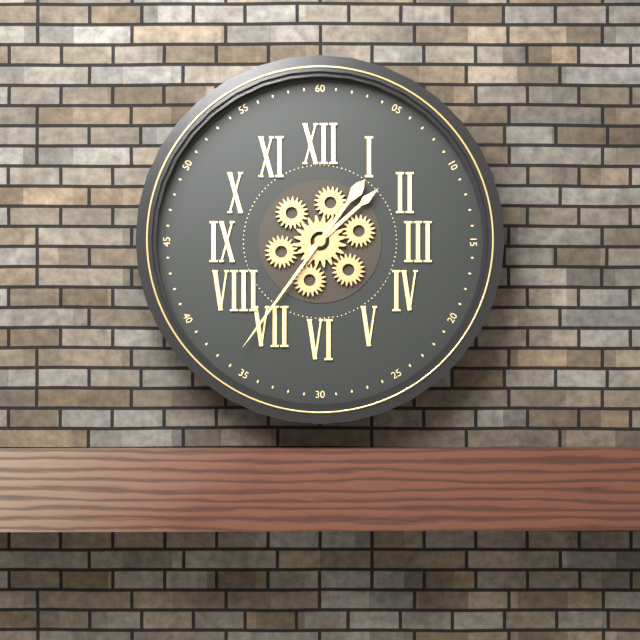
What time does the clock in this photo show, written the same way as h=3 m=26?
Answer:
h=1 m=36
